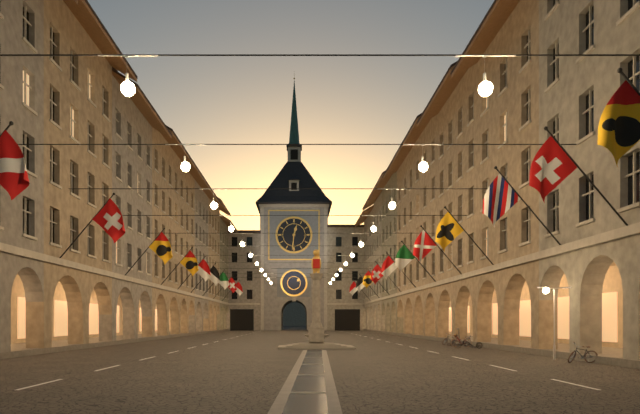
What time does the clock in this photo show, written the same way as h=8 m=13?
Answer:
h=12 m=31
